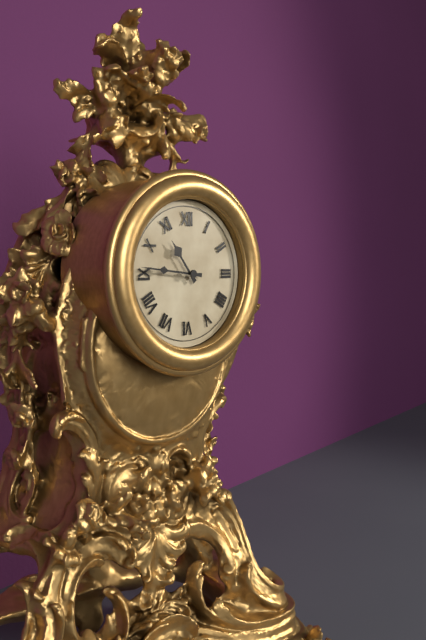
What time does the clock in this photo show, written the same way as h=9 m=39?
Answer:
h=10 m=46
